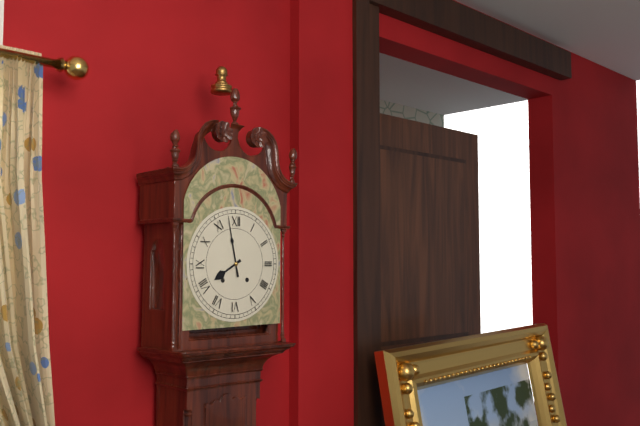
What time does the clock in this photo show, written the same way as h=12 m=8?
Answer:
h=7 m=58
